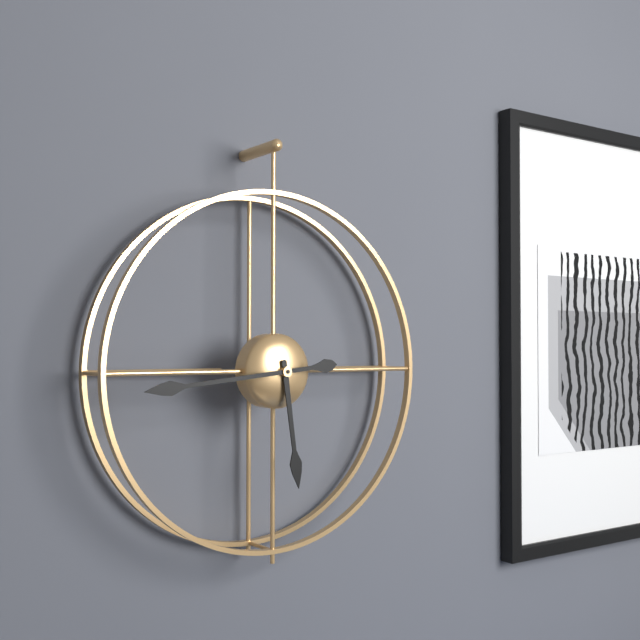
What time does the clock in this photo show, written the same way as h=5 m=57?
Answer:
h=5 m=44
